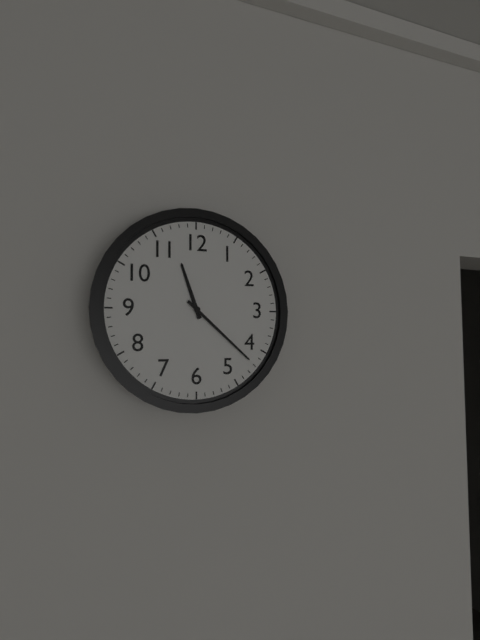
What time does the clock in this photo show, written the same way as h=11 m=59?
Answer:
h=11 m=22
